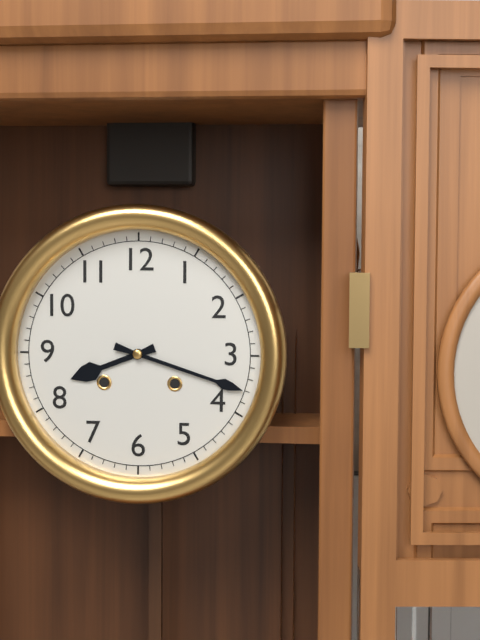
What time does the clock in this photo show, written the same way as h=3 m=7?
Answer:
h=8 m=18
